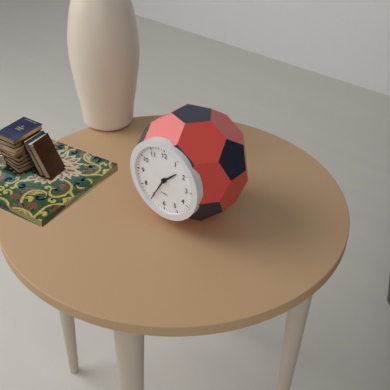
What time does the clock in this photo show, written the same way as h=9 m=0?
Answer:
h=1 m=35
